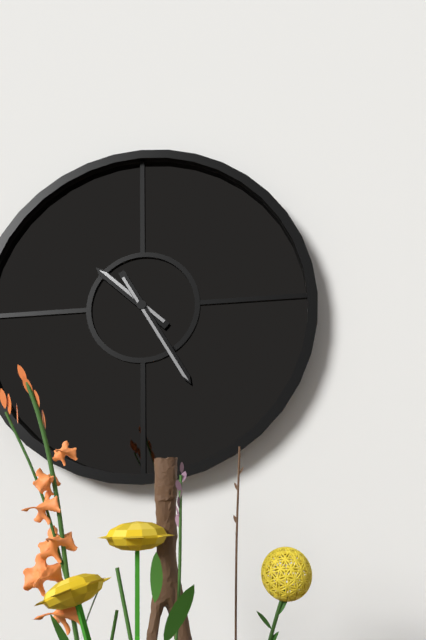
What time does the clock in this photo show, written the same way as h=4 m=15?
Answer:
h=10 m=25
